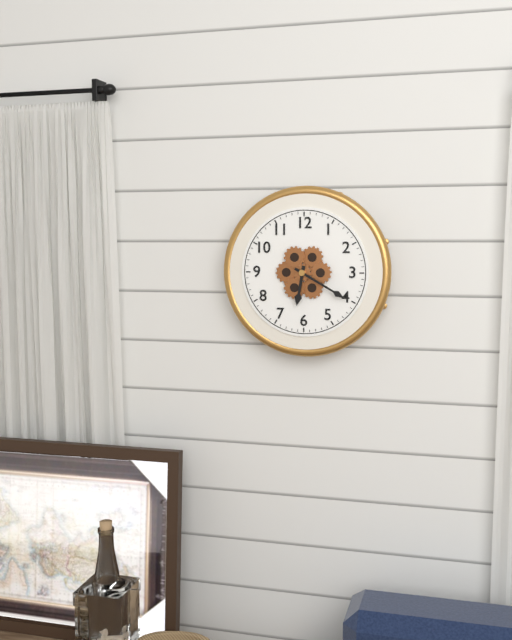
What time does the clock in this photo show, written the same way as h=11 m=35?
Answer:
h=6 m=20
